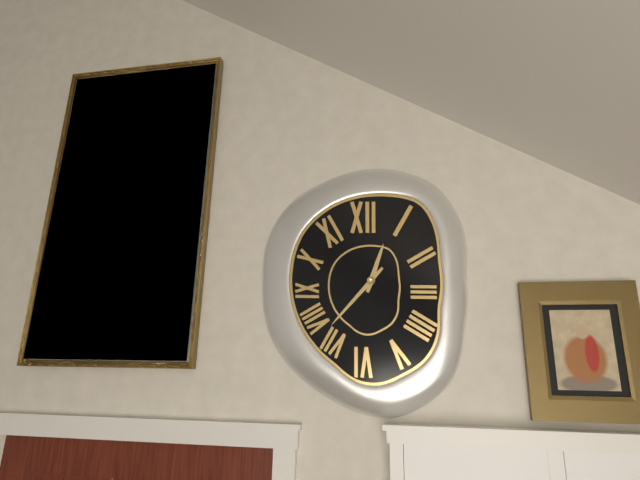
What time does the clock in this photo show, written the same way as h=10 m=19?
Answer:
h=12 m=37
